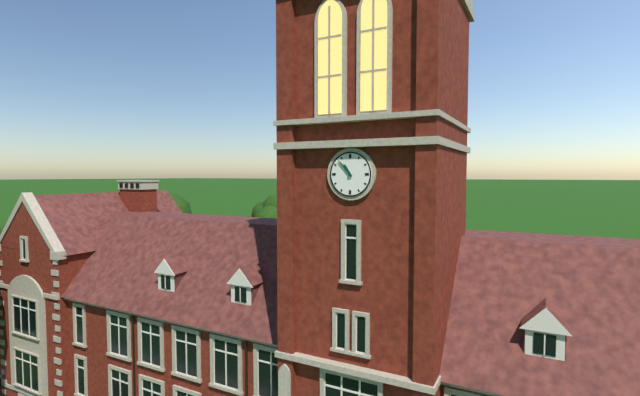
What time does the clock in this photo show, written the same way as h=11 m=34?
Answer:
h=10 m=53
